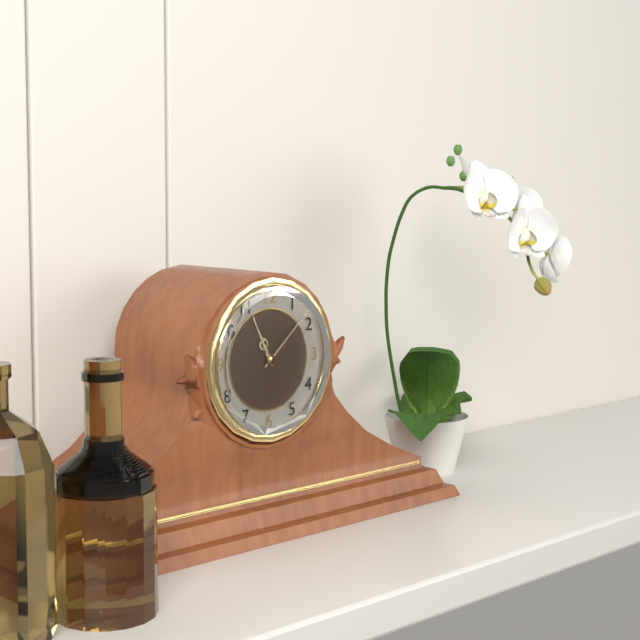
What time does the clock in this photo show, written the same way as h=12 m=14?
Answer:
h=11 m=8
